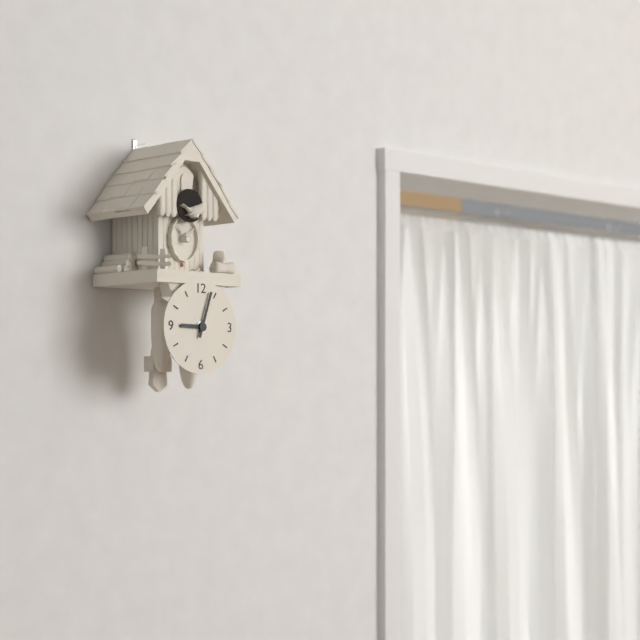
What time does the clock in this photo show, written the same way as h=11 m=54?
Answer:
h=9 m=3
